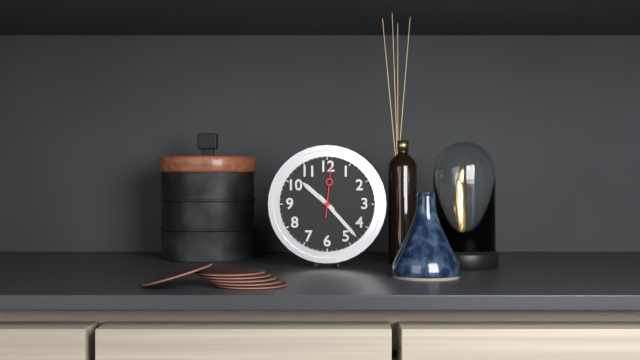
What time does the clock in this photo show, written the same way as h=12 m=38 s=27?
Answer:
h=10 m=23 s=1
